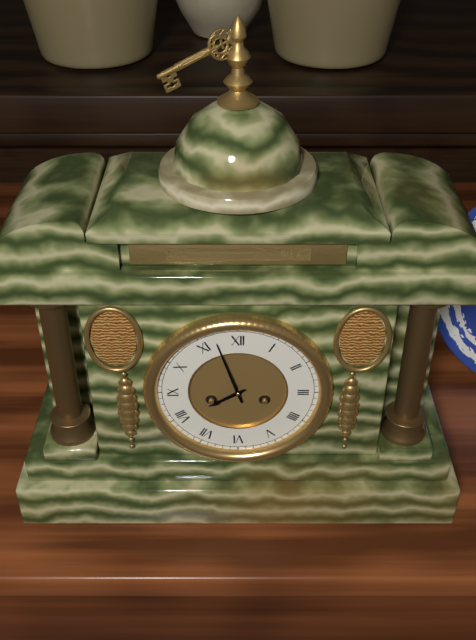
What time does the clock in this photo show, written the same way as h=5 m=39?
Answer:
h=7 m=57
